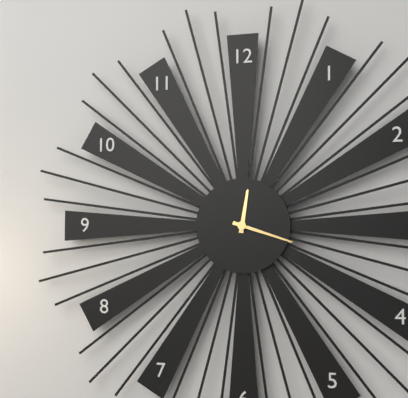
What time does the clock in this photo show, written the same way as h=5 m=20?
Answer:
h=12 m=18
